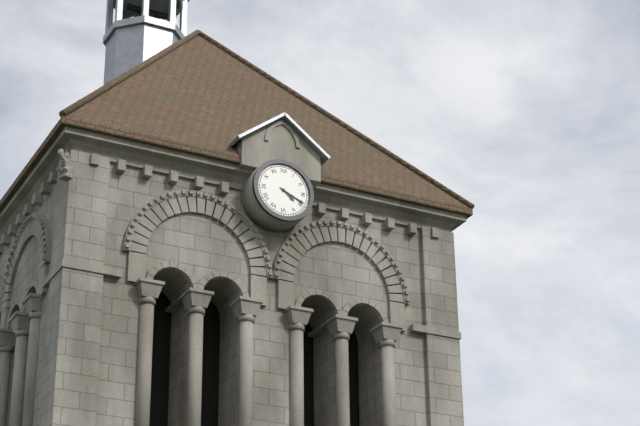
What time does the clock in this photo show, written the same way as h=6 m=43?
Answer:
h=4 m=19
